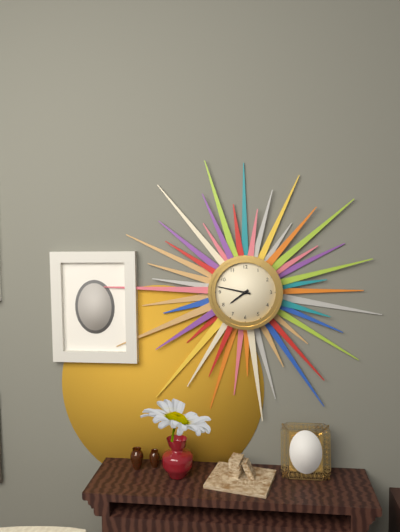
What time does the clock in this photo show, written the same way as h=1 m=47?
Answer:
h=7 m=47
